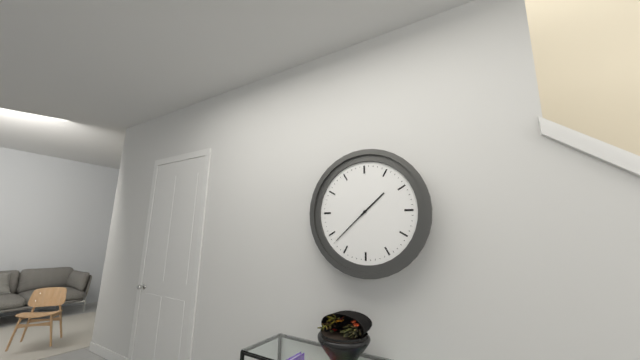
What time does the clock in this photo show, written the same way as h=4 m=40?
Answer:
h=1 m=38
